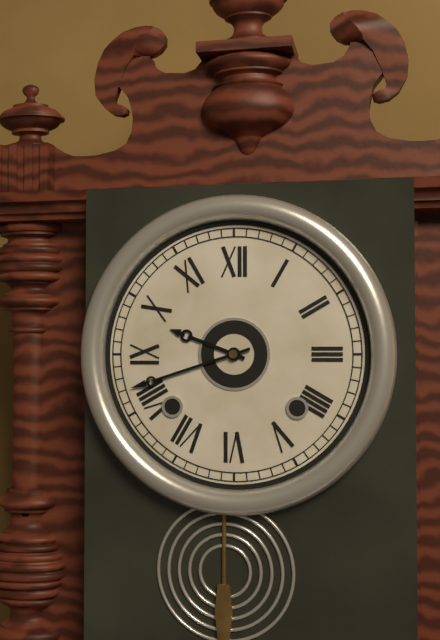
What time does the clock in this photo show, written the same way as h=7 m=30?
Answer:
h=9 m=42
